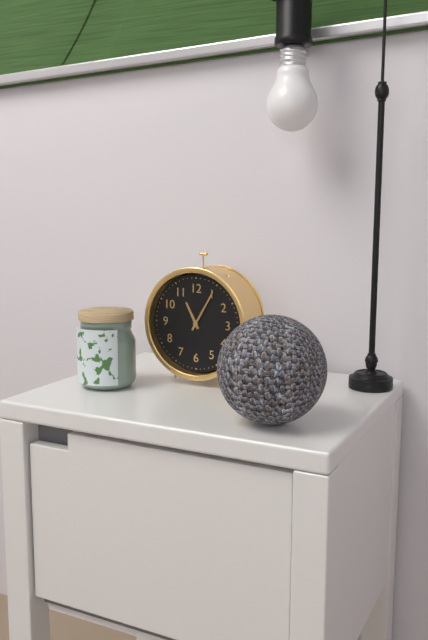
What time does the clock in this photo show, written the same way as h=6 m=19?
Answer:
h=11 m=5
